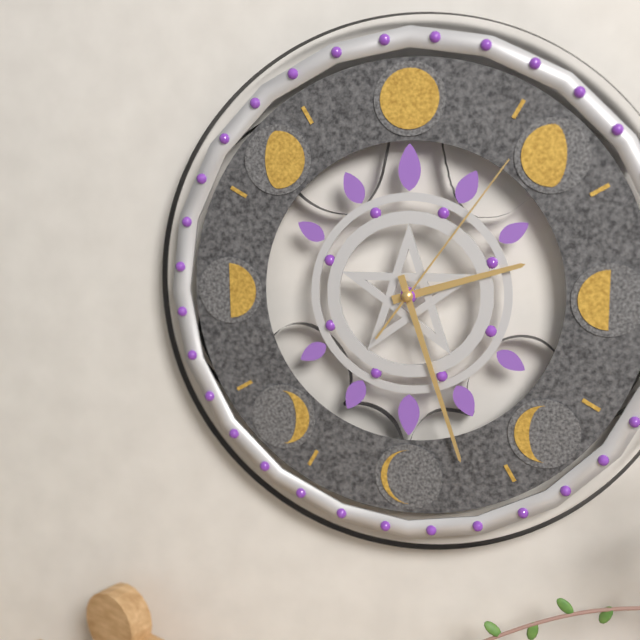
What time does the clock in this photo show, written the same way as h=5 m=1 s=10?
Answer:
h=2 m=27 s=6
